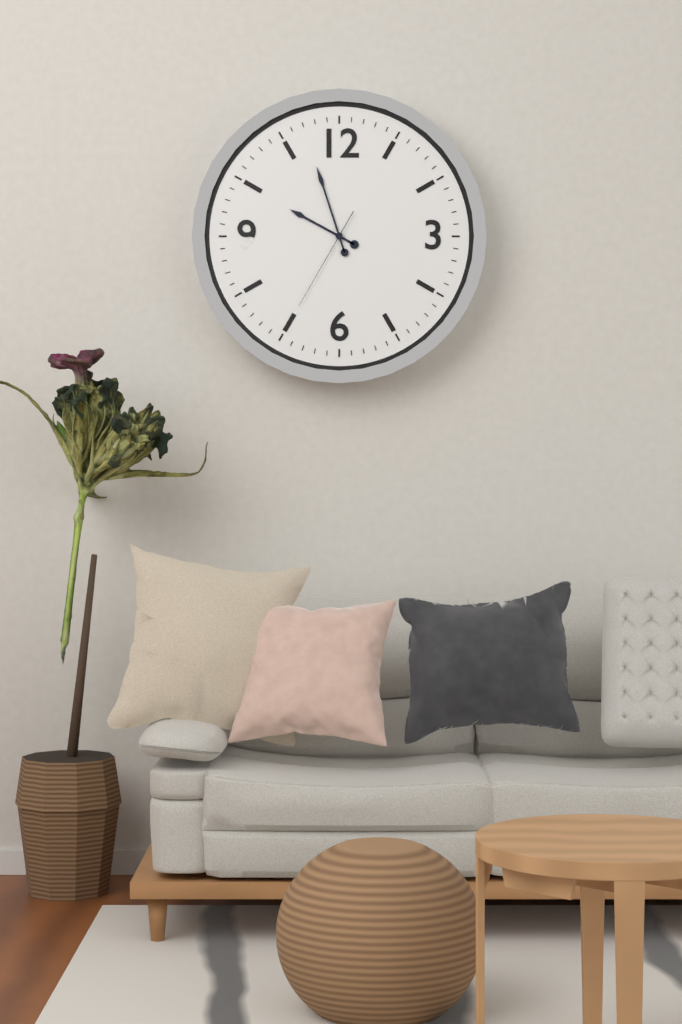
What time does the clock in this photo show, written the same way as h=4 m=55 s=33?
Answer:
h=9 m=57 s=35
